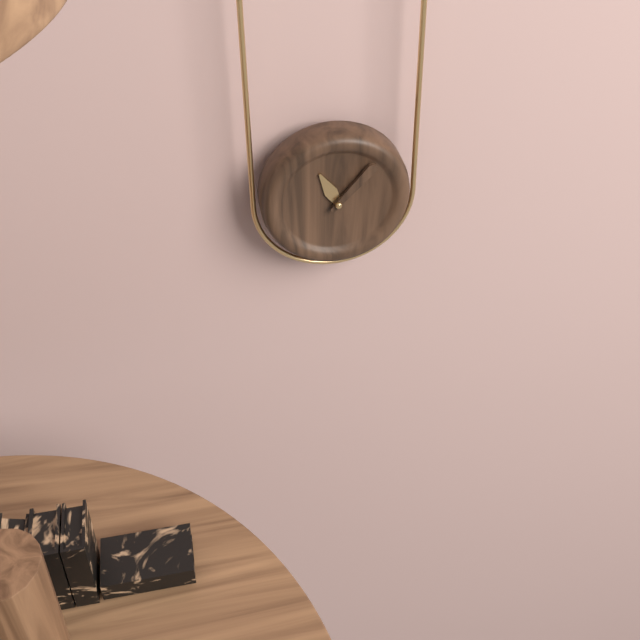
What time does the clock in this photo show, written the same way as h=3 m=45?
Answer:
h=11 m=7
